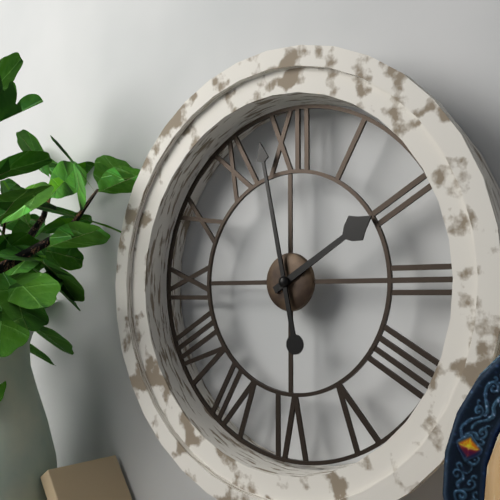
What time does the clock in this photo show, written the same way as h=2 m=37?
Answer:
h=1 m=58
